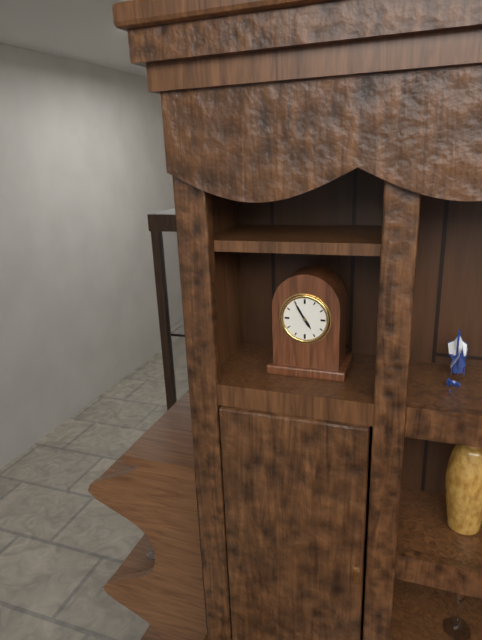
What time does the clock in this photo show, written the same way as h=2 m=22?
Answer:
h=4 m=55
